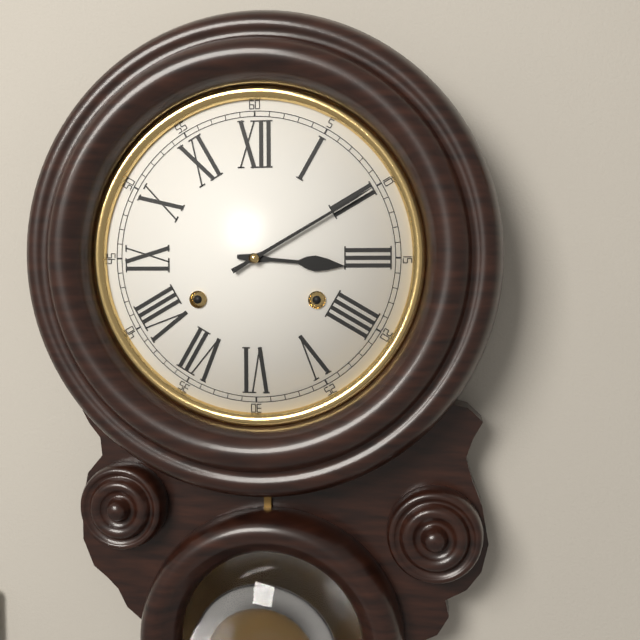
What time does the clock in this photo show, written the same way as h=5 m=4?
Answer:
h=3 m=10
